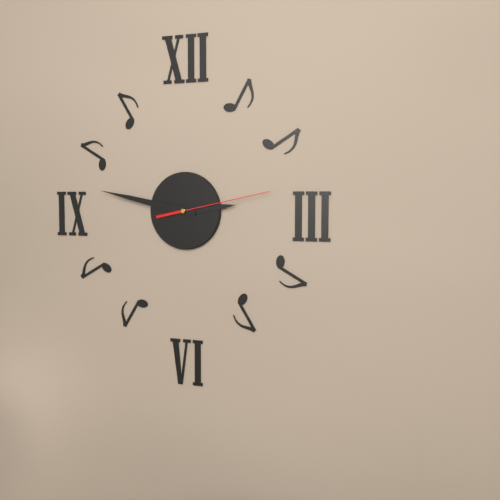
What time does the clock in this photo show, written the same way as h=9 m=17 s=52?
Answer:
h=2 m=47 s=13
